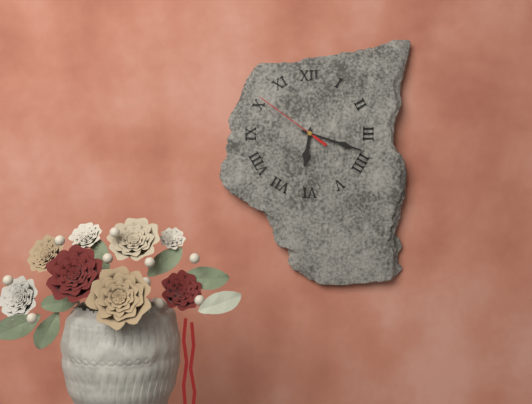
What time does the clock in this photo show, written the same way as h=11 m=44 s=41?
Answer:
h=6 m=18 s=51
